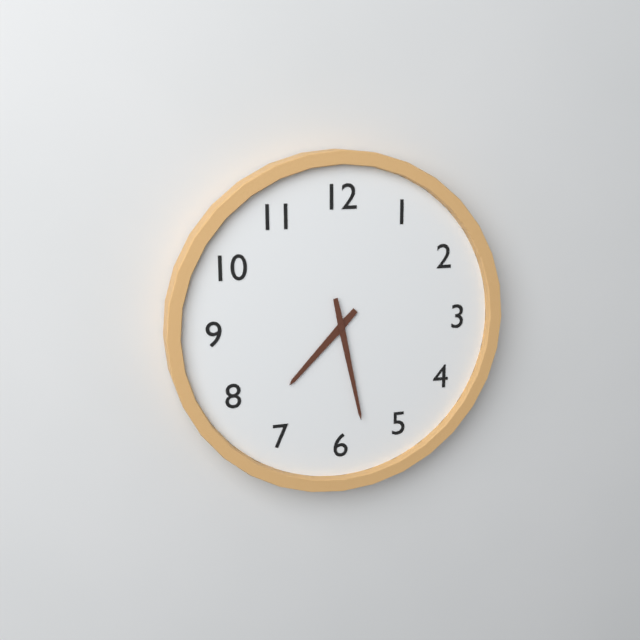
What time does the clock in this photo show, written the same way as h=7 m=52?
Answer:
h=7 m=28
